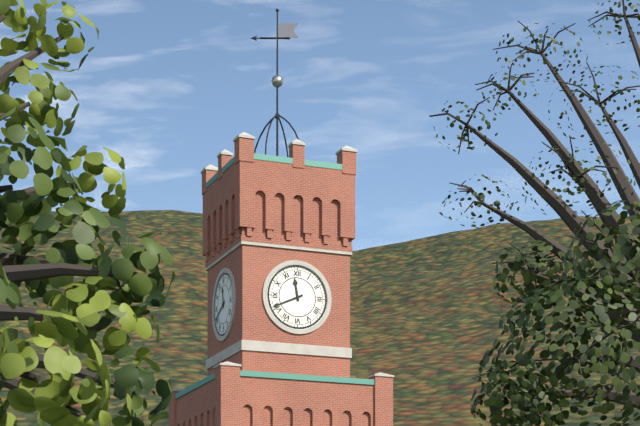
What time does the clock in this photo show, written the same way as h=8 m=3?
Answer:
h=11 m=41
